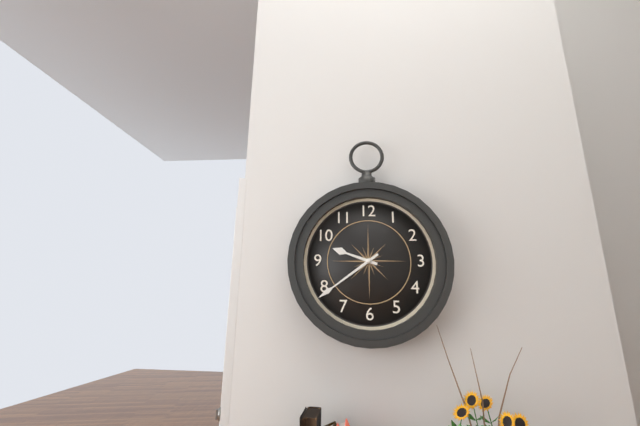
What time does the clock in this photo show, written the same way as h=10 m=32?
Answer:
h=9 m=39
